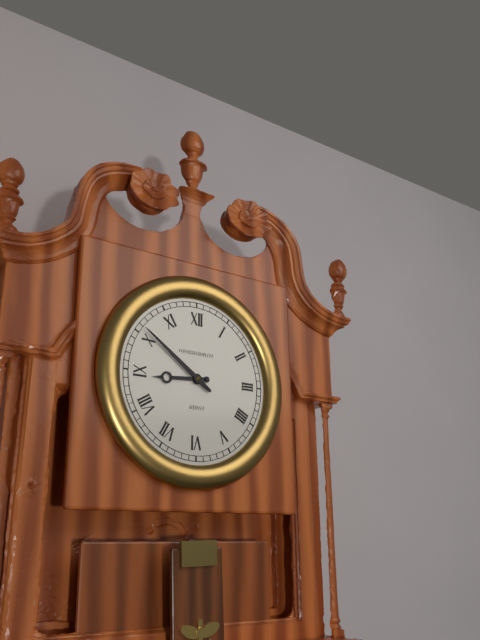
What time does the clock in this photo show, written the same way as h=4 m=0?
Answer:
h=8 m=51
